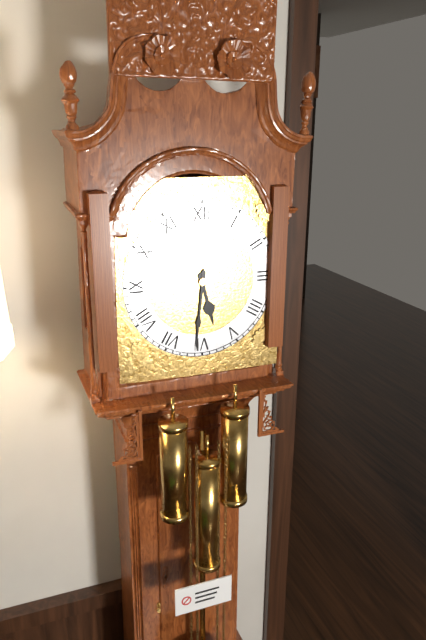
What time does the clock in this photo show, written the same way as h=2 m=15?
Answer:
h=5 m=31
